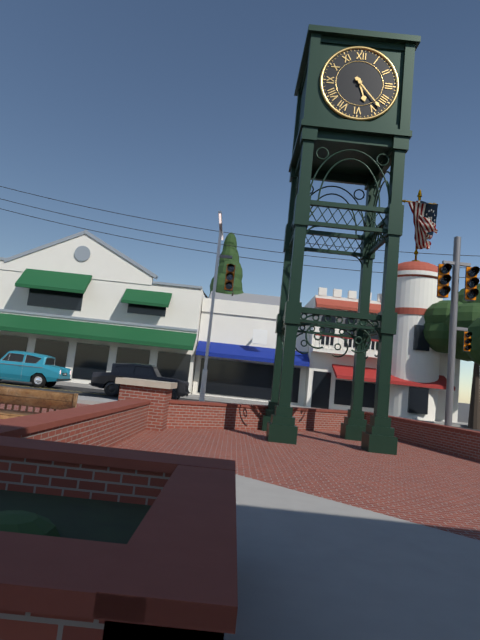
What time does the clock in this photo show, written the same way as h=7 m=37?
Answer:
h=5 m=23
